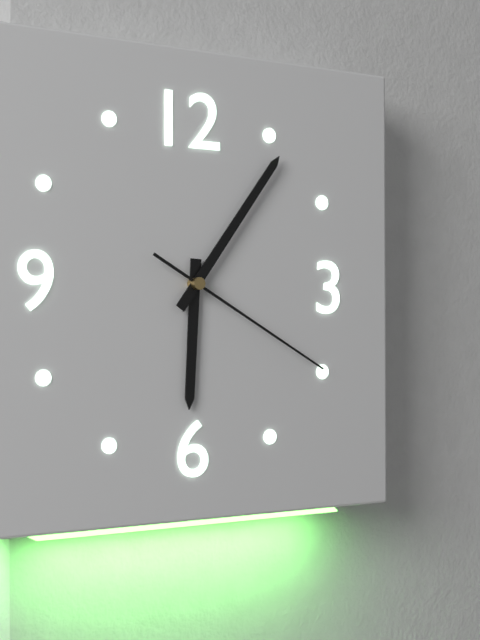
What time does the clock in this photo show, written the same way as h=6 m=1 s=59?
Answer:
h=6 m=6 s=20
